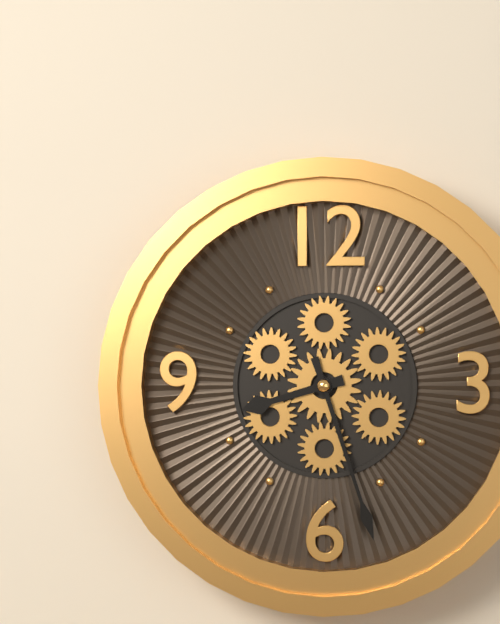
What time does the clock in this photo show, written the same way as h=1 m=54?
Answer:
h=8 m=27
